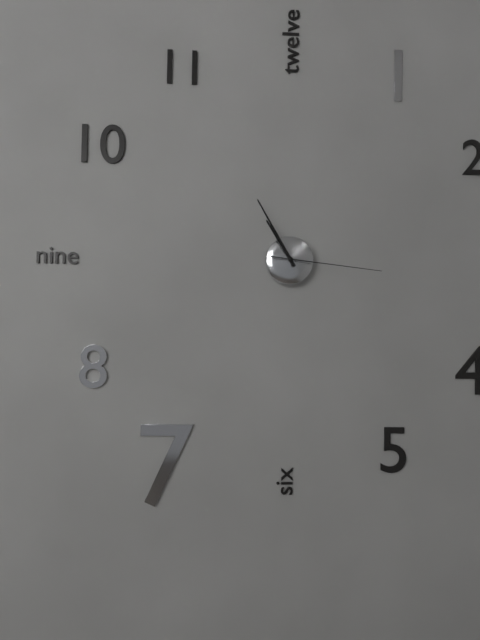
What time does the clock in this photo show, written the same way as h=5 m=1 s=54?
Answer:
h=10 m=55 s=16
